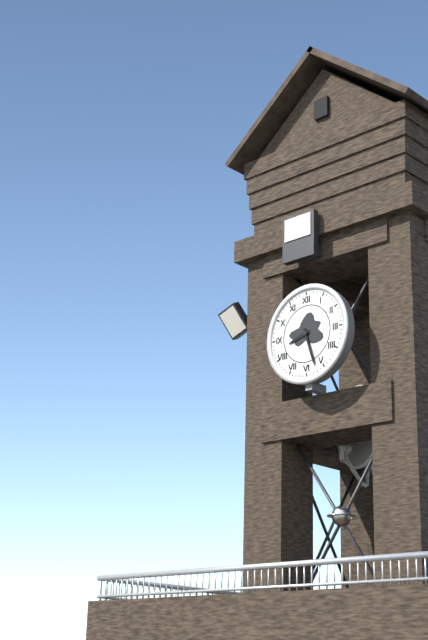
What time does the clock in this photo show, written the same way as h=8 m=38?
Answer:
h=8 m=27
